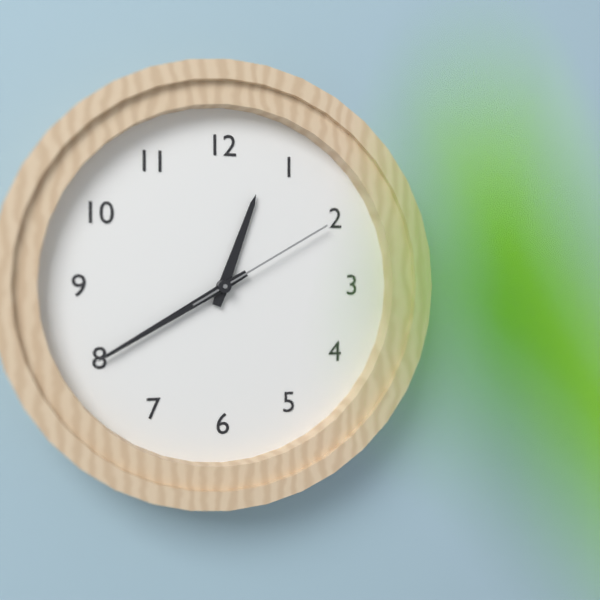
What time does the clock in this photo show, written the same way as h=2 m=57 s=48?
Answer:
h=12 m=40 s=10
